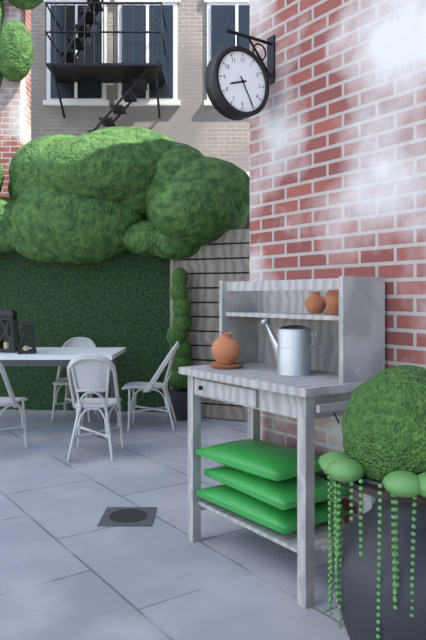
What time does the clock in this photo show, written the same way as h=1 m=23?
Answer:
h=8 m=25
